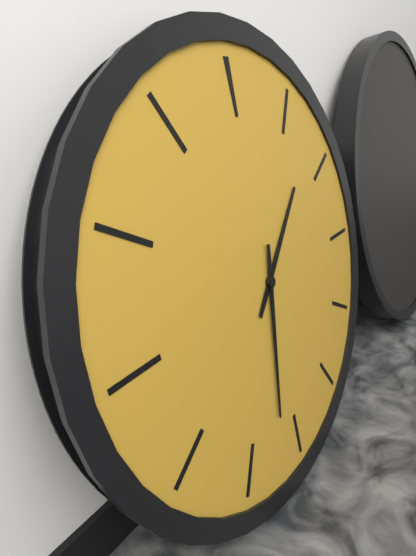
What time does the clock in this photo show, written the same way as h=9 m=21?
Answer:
h=1 m=32
